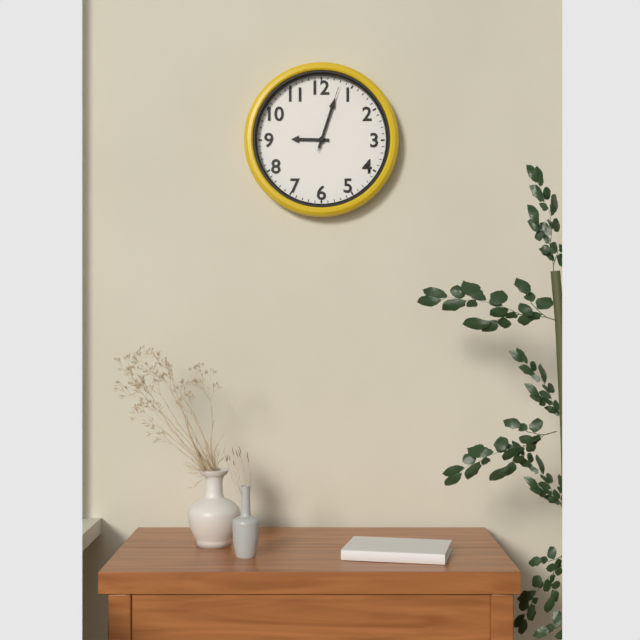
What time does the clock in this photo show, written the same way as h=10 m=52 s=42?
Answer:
h=9 m=3 s=3
